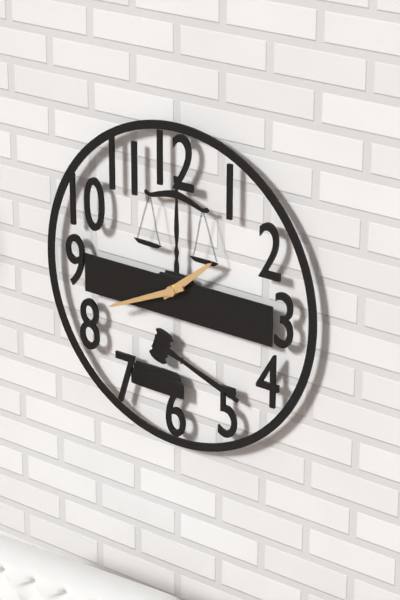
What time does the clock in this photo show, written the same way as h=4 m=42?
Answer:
h=1 m=41
